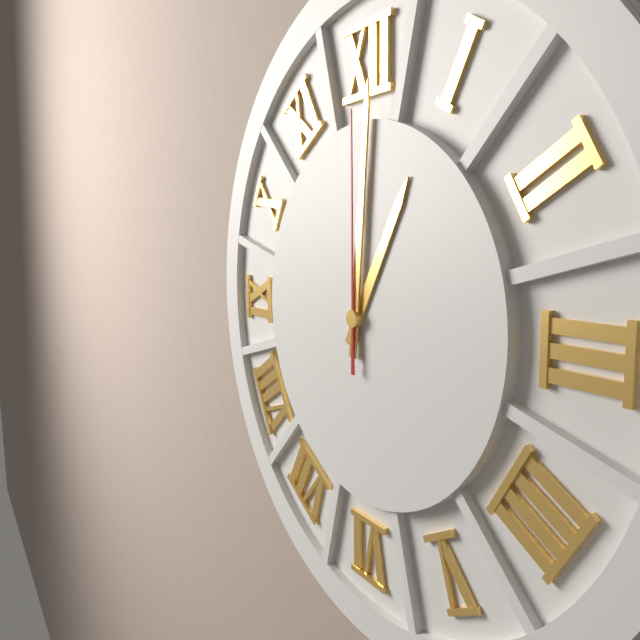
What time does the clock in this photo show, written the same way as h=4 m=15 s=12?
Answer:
h=1 m=1 s=0
